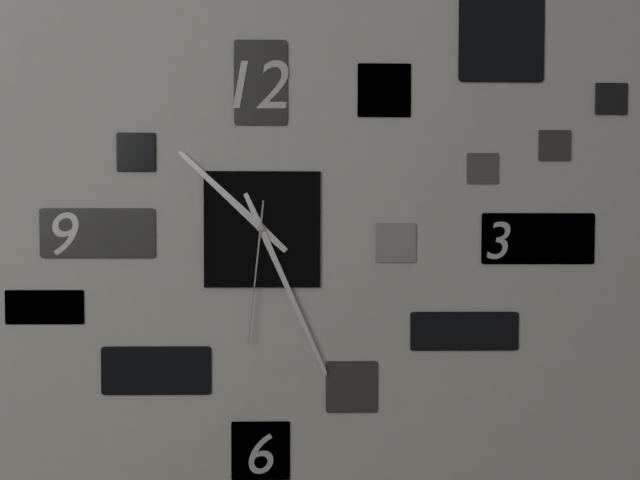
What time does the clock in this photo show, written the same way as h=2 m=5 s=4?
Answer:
h=10 m=26 s=31
